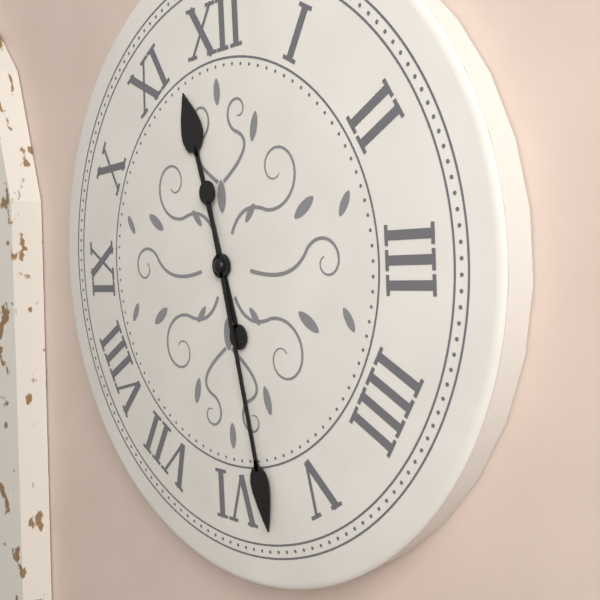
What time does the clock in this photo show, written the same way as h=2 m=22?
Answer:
h=11 m=28
